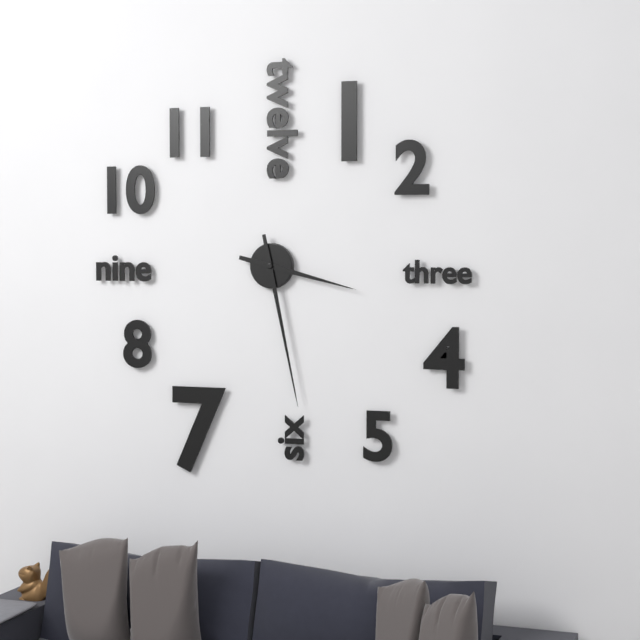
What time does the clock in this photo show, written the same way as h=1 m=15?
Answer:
h=3 m=28
